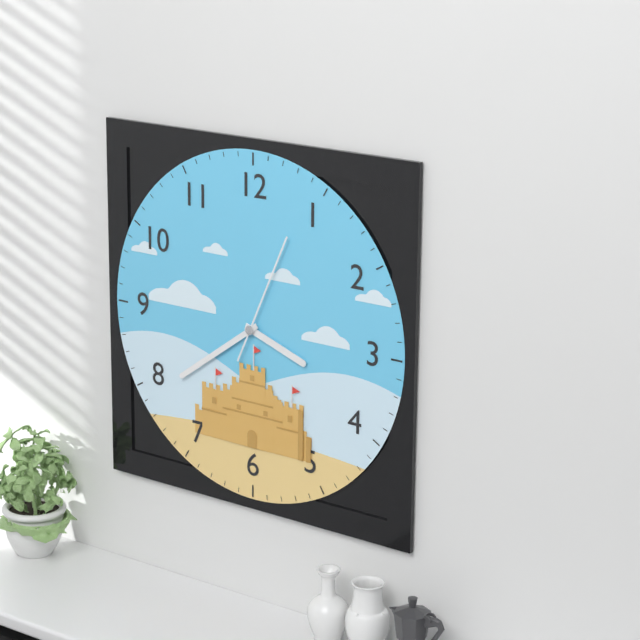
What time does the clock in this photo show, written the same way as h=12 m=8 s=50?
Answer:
h=3 m=39 s=4
